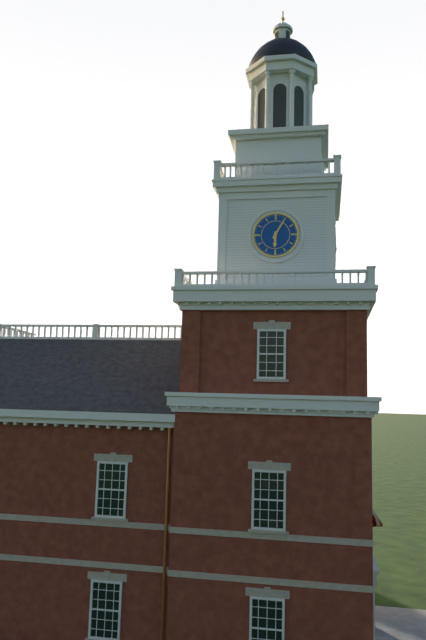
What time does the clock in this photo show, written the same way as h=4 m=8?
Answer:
h=6 m=5
